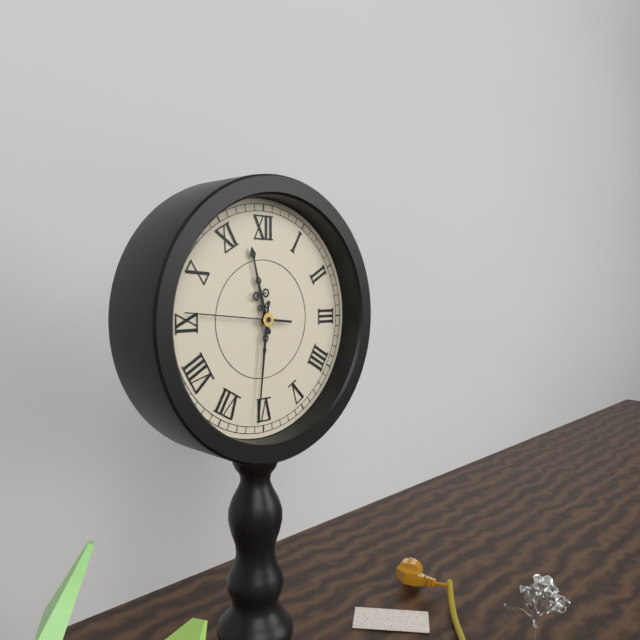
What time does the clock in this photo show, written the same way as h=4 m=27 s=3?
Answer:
h=11 m=31 s=46
